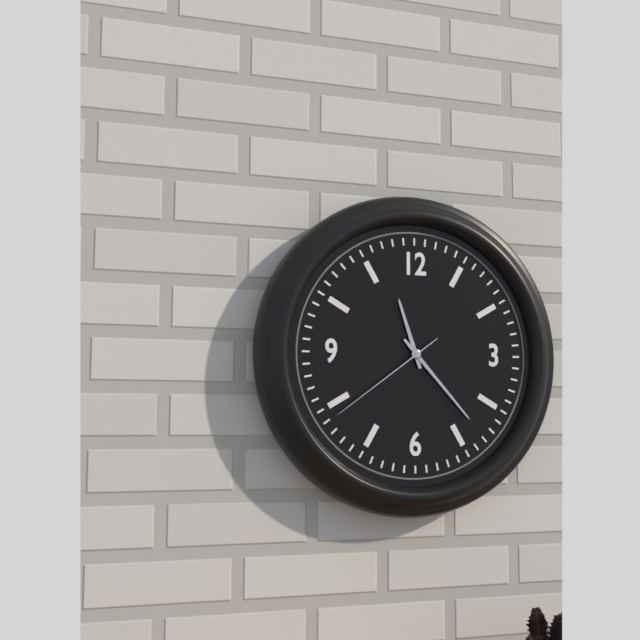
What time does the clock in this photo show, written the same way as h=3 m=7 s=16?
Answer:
h=11 m=23 s=39
